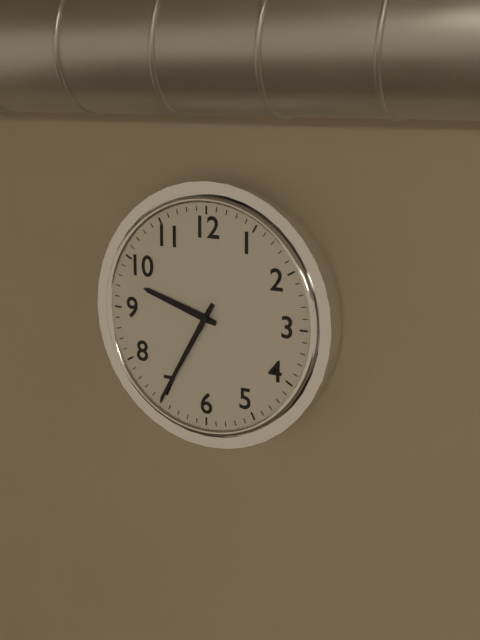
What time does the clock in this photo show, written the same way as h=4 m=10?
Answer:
h=9 m=35
